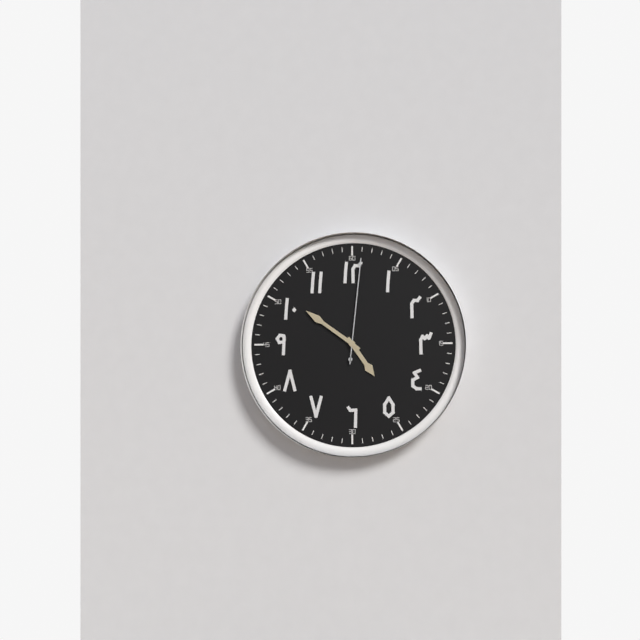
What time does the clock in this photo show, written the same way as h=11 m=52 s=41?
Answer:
h=4 m=51 s=1
